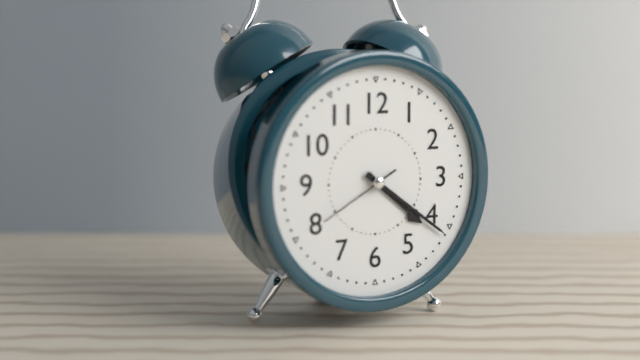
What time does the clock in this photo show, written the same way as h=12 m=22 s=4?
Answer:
h=4 m=21 s=40
